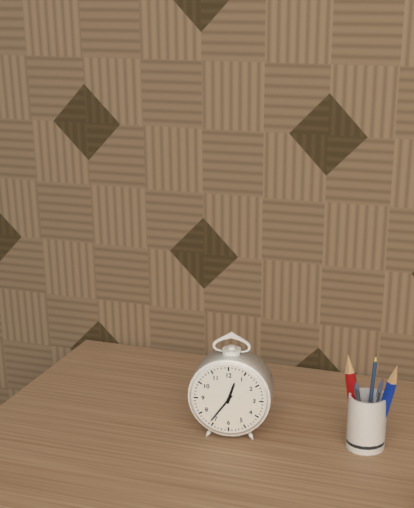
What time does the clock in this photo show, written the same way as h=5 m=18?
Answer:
h=12 m=36
